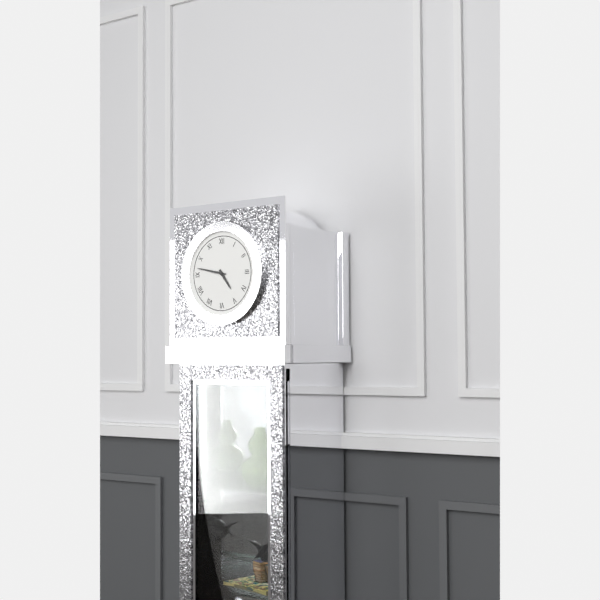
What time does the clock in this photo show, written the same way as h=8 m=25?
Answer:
h=4 m=47
